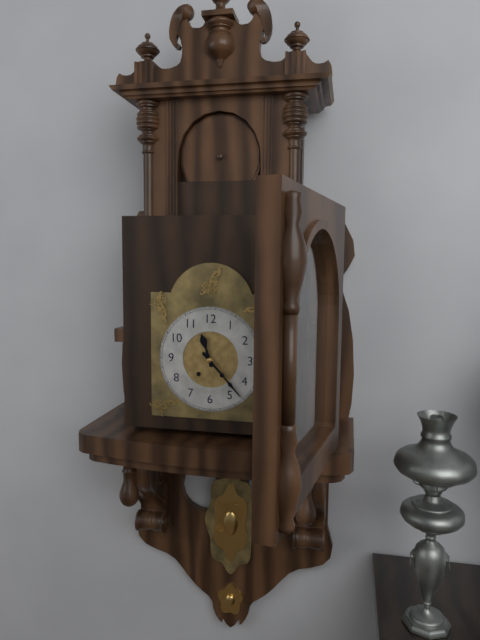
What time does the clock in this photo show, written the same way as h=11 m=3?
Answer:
h=11 m=23
